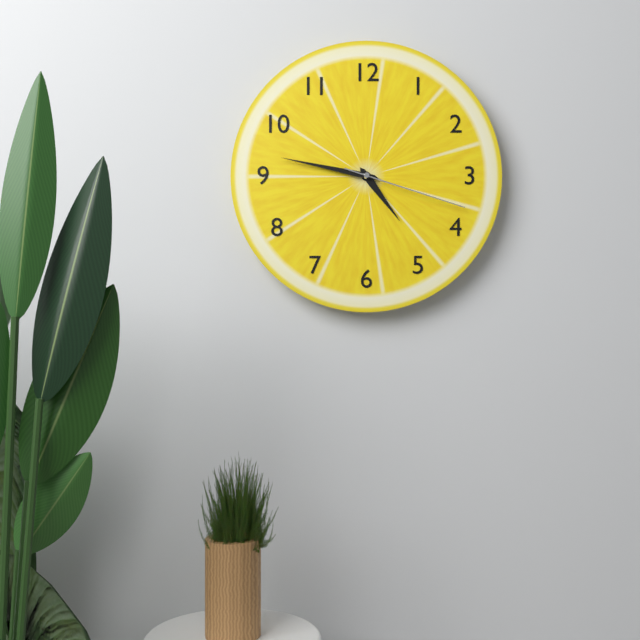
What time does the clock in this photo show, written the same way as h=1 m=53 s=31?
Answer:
h=4 m=47 s=18
